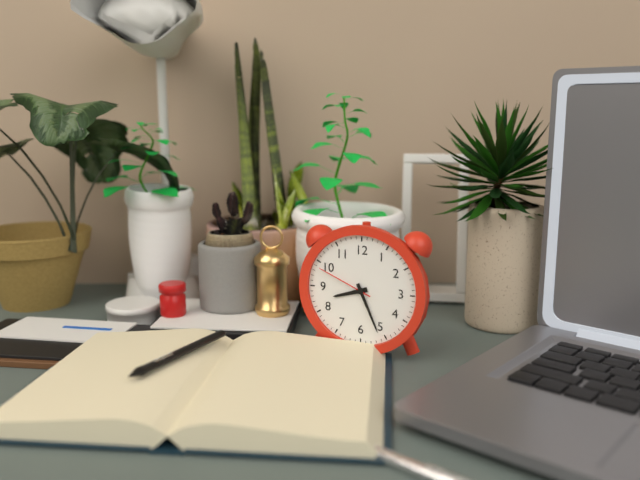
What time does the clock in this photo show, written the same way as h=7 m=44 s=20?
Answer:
h=8 m=26 s=49
